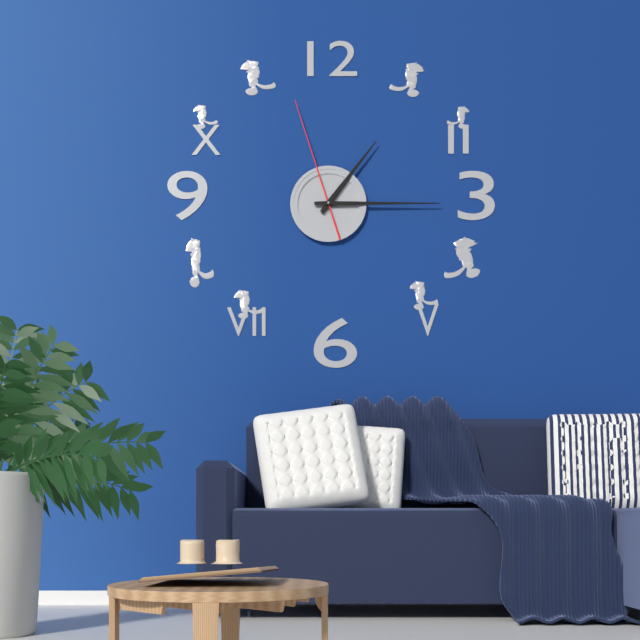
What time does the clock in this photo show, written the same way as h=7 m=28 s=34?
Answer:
h=1 m=15 s=57
